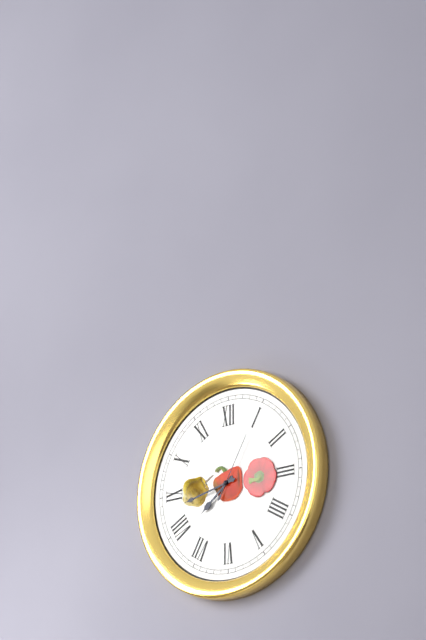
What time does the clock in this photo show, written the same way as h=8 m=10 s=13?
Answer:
h=7 m=43 s=5
